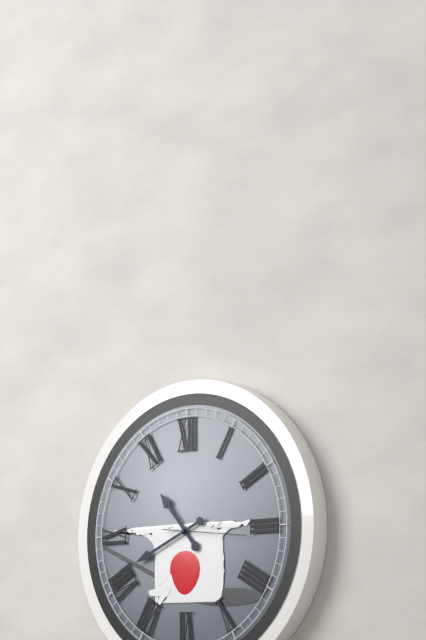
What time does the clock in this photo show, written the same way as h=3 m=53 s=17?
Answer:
h=10 m=41 s=16
